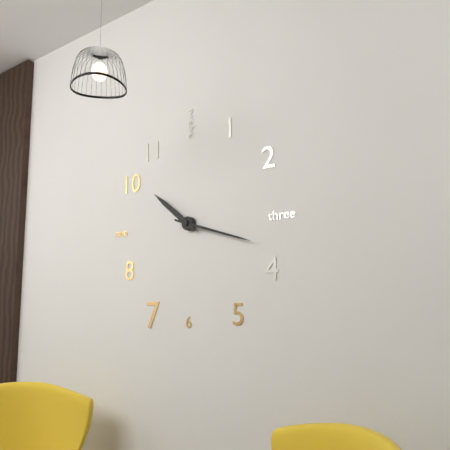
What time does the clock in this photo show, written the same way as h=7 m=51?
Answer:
h=10 m=18
